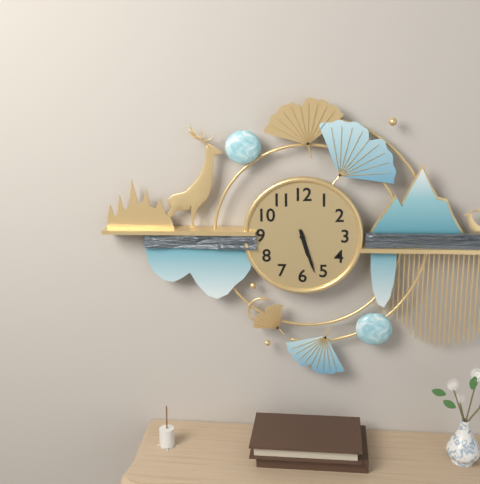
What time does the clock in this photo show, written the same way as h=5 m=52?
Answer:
h=5 m=27
